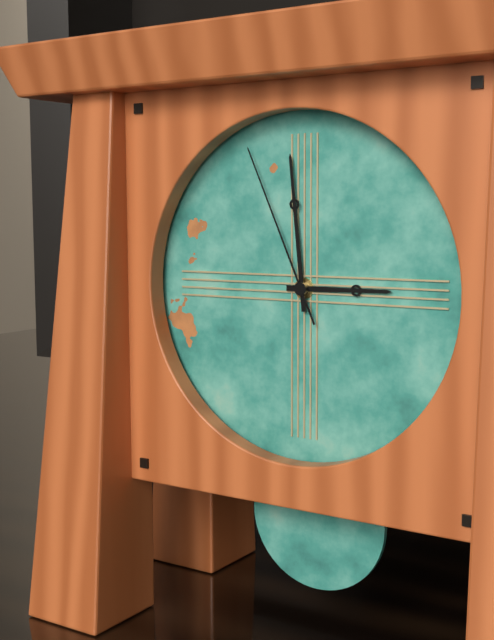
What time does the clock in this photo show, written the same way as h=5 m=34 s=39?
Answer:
h=2 m=59 s=56
